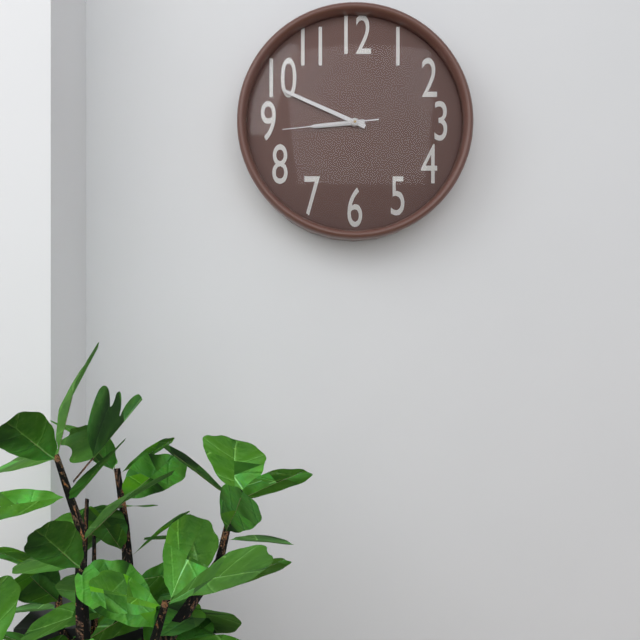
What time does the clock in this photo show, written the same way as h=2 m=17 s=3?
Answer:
h=8 m=49 s=44
